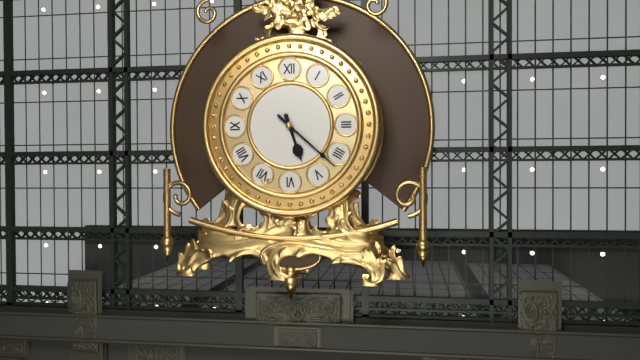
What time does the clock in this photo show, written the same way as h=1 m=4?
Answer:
h=5 m=22
